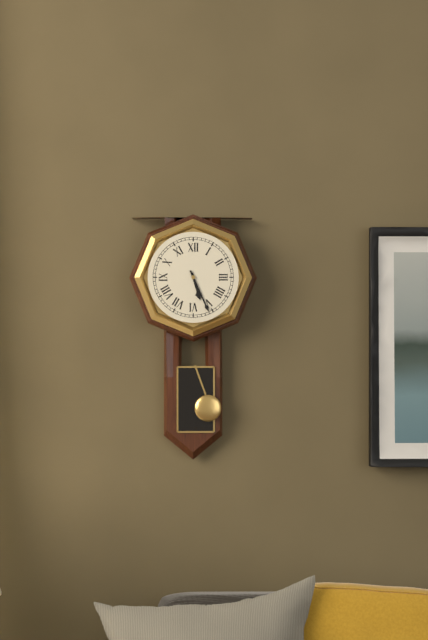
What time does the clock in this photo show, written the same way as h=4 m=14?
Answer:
h=5 m=26
